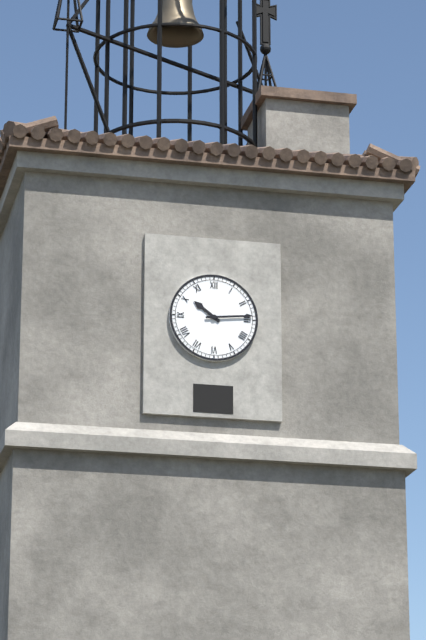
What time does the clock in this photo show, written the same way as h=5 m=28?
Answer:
h=10 m=14
